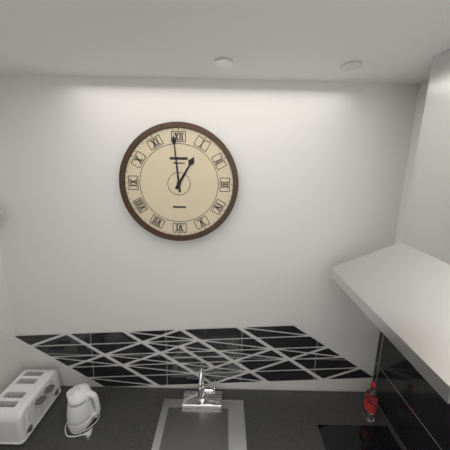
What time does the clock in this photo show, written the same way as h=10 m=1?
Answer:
h=12 m=59
